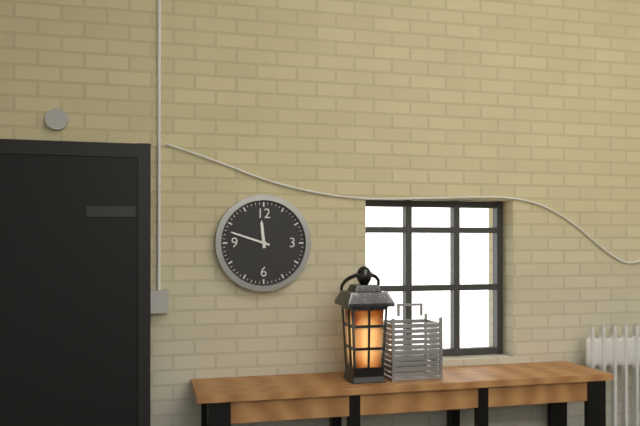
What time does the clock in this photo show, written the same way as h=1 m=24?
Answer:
h=11 m=48
